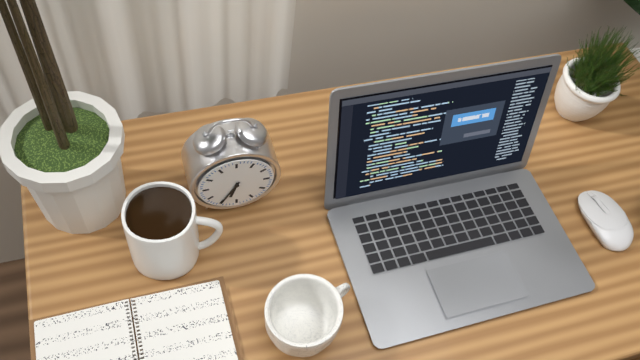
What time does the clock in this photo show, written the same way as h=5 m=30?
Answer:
h=6 m=35
